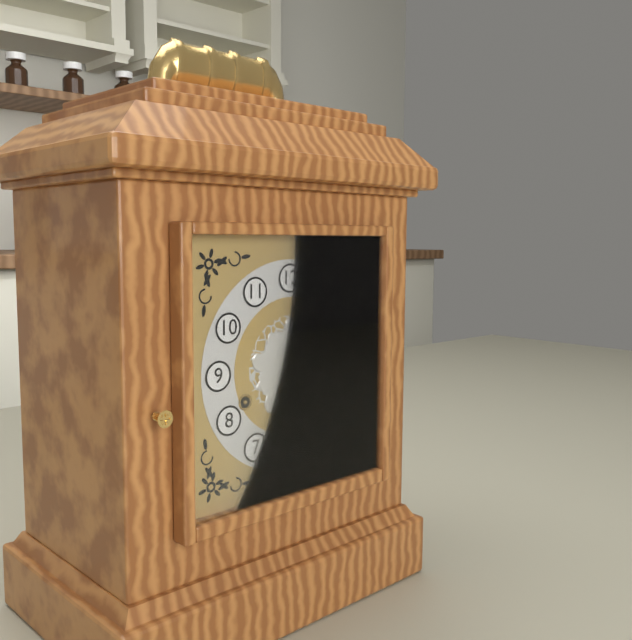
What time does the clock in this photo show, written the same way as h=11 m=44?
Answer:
h=6 m=33
